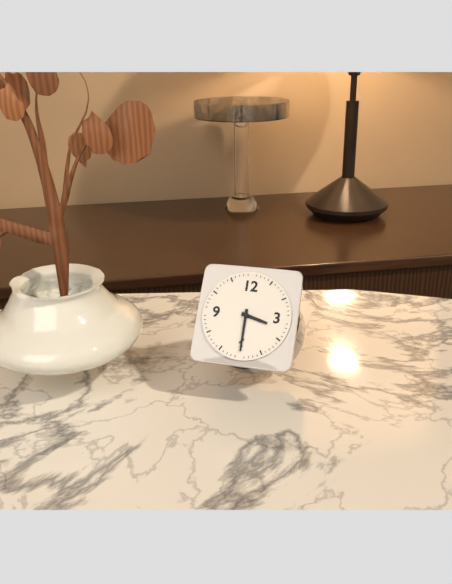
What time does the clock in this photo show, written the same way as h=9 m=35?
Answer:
h=3 m=30
